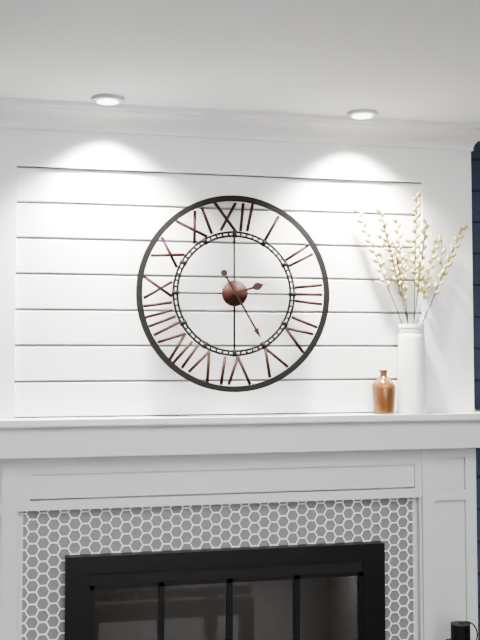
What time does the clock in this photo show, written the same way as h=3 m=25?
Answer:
h=2 m=25
